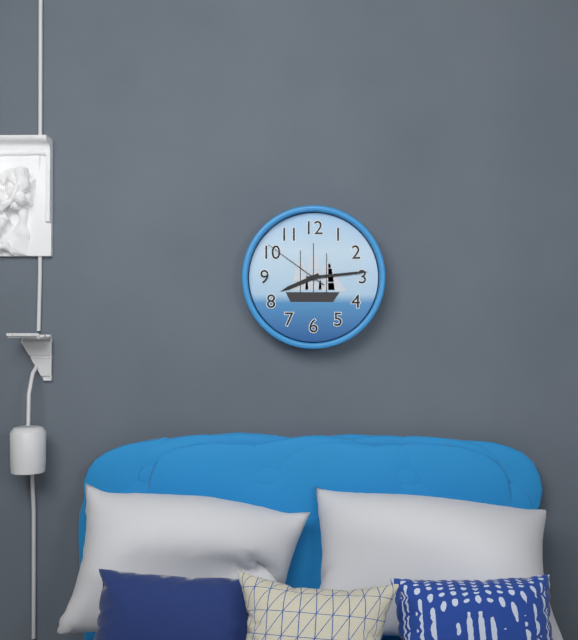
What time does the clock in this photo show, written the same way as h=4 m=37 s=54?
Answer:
h=8 m=14 s=51
